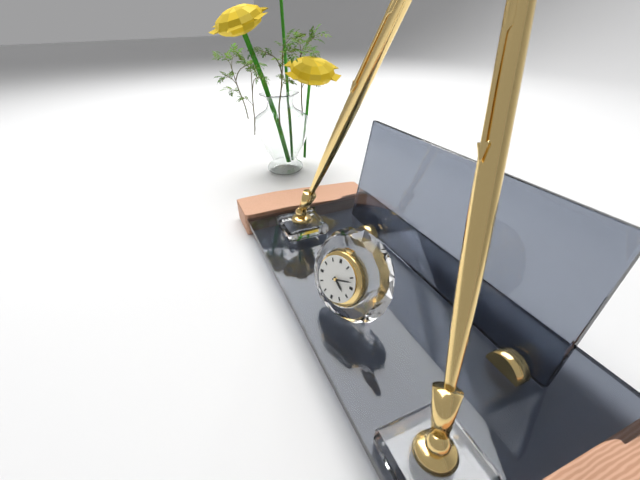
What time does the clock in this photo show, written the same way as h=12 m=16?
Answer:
h=4 m=12
